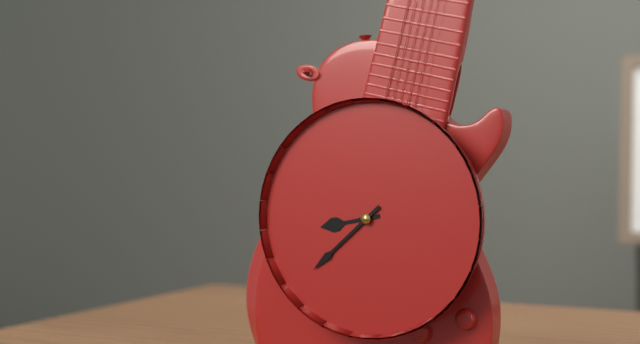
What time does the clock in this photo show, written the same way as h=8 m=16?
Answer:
h=8 m=38
